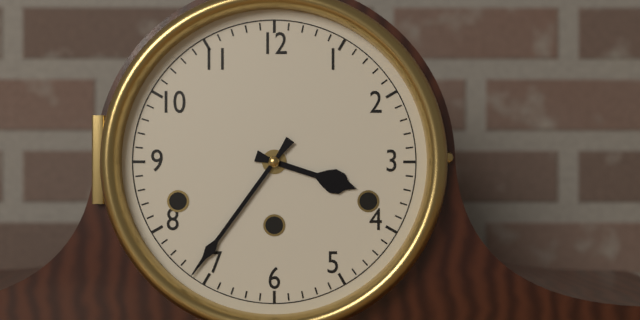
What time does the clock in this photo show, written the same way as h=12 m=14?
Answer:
h=3 m=36
